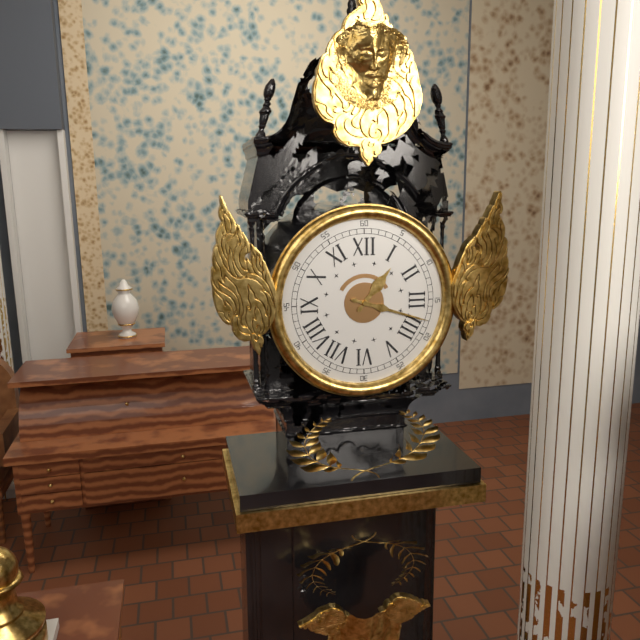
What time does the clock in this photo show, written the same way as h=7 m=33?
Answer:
h=1 m=18
